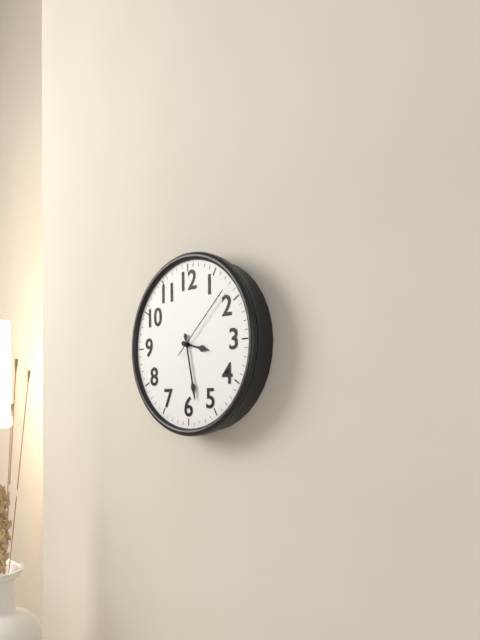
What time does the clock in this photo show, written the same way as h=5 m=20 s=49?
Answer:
h=3 m=28 s=8
